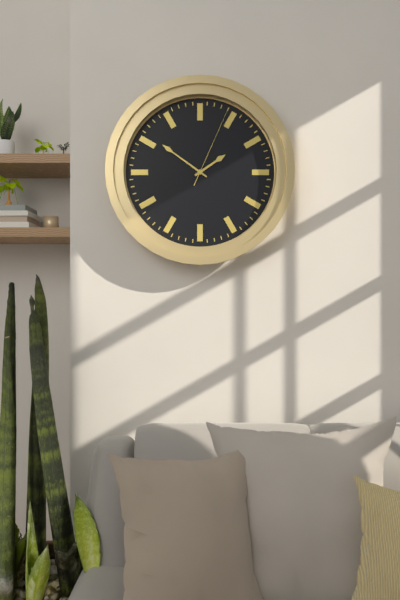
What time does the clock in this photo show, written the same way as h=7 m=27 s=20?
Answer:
h=1 m=51 s=4
